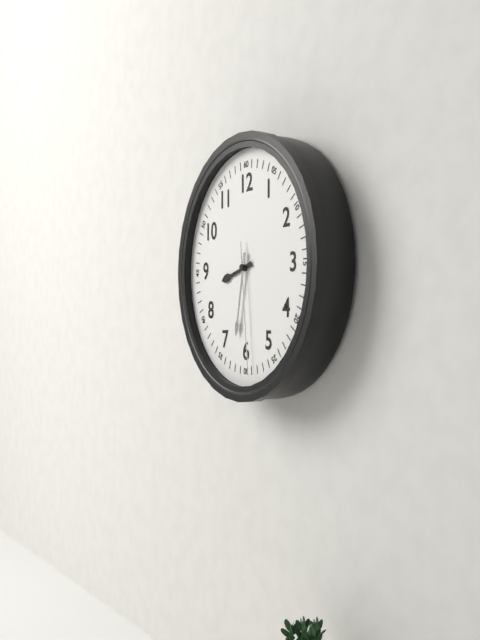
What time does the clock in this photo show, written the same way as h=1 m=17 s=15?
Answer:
h=8 m=32 s=29
